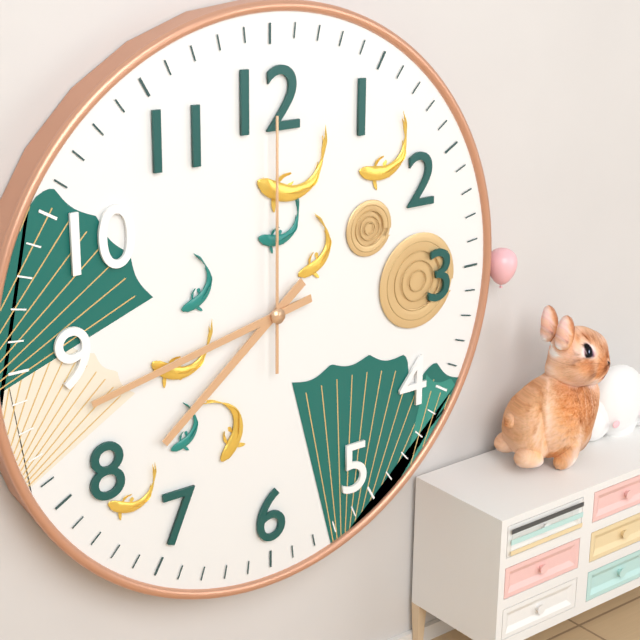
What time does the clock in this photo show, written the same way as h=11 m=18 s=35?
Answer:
h=7 m=43 s=0
